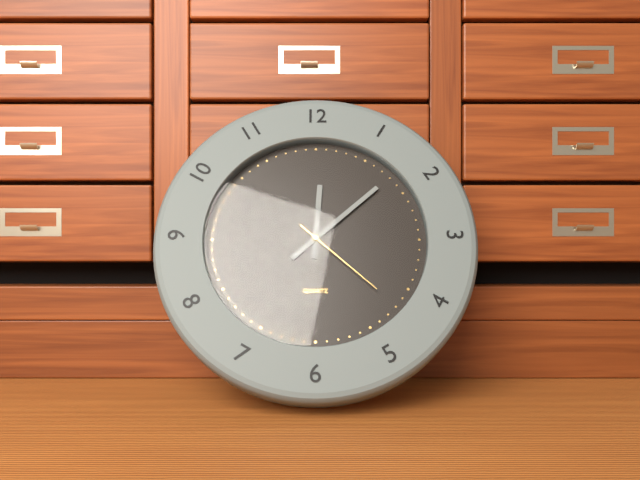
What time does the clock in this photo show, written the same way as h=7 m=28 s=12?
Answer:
h=12 m=8 s=22
